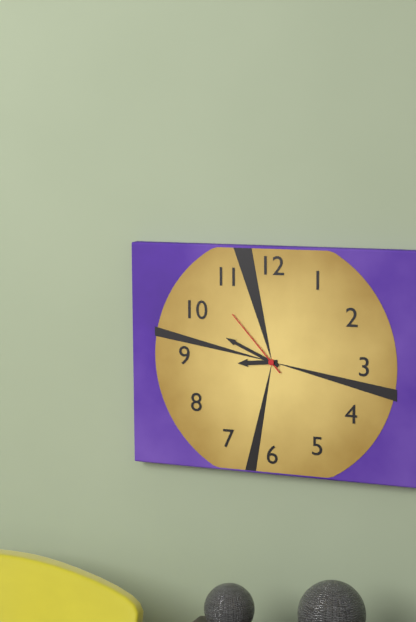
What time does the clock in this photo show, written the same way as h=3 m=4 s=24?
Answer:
h=8 m=49 s=53
